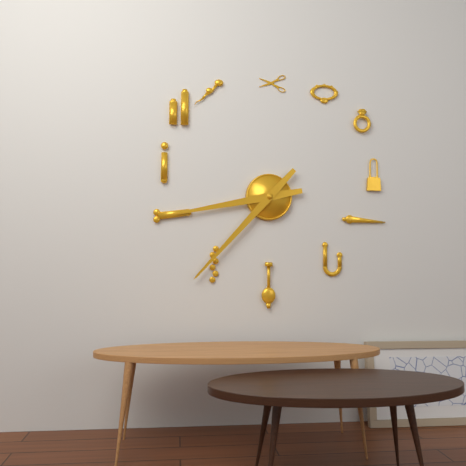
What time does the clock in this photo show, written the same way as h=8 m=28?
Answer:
h=8 m=37
